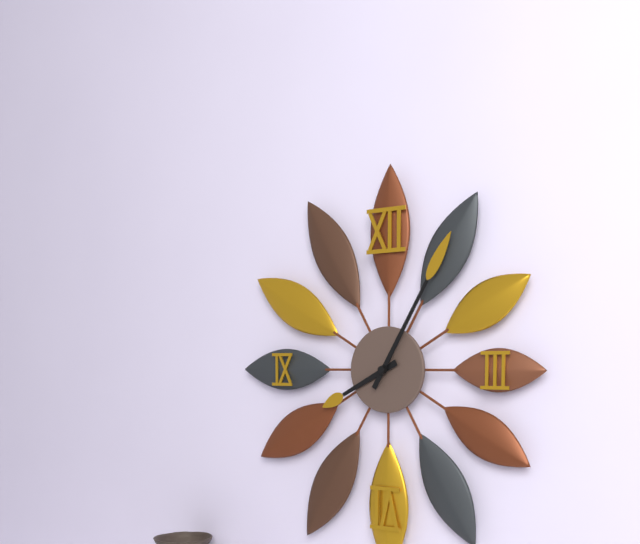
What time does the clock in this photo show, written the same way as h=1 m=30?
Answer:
h=8 m=5
